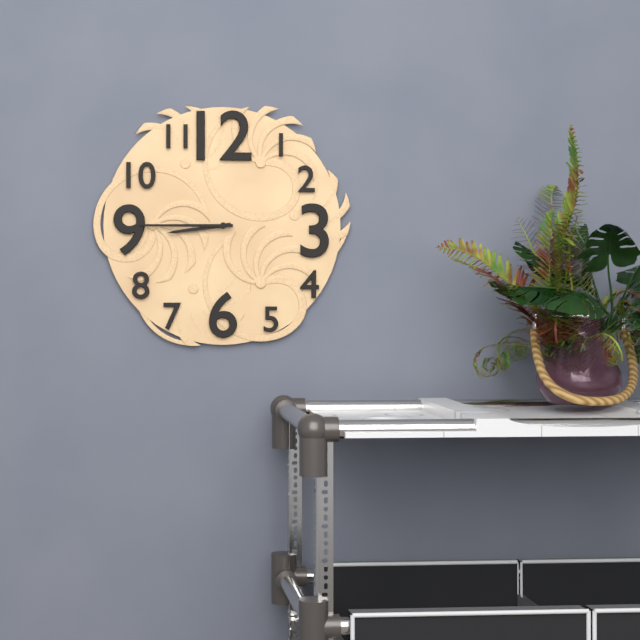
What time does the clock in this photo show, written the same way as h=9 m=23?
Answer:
h=8 m=45
